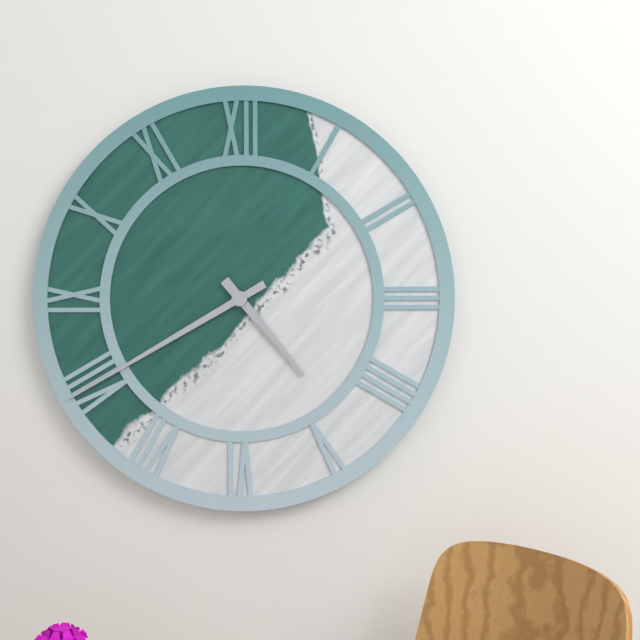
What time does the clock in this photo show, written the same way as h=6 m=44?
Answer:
h=4 m=40
